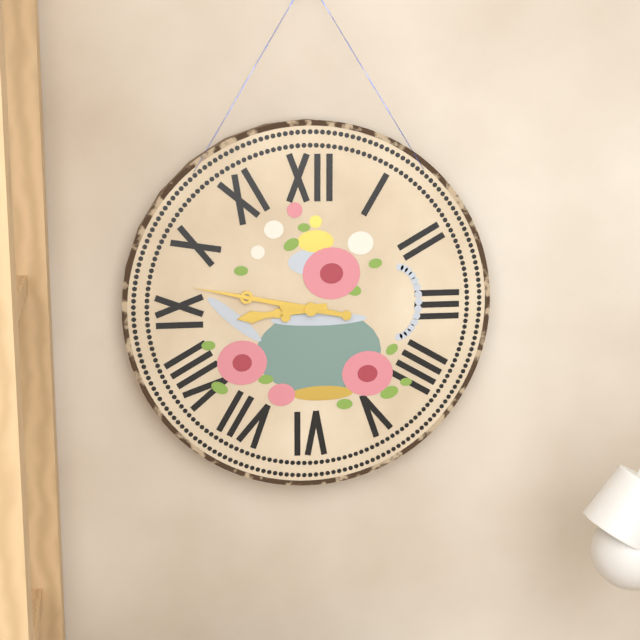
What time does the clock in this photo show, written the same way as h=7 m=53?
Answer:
h=8 m=47
